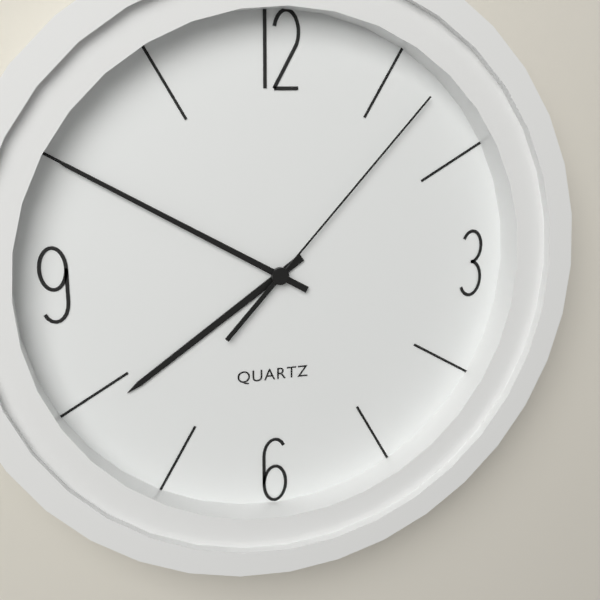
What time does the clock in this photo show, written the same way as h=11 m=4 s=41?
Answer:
h=7 m=50 s=7
